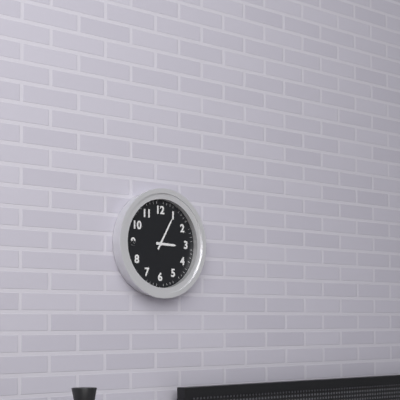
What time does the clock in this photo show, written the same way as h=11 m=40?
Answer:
h=3 m=5
